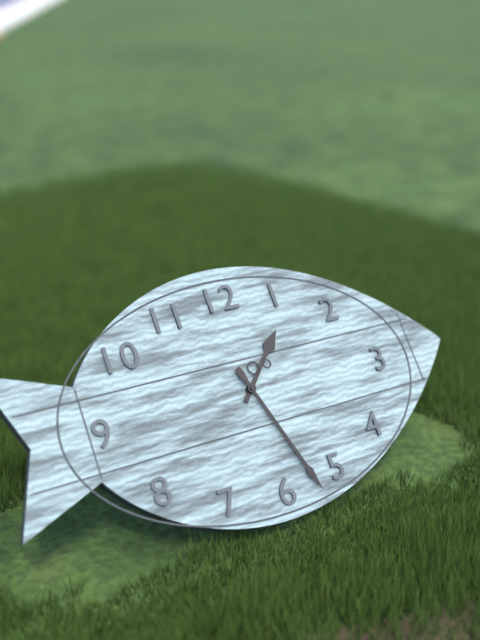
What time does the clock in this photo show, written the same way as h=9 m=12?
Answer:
h=1 m=27
